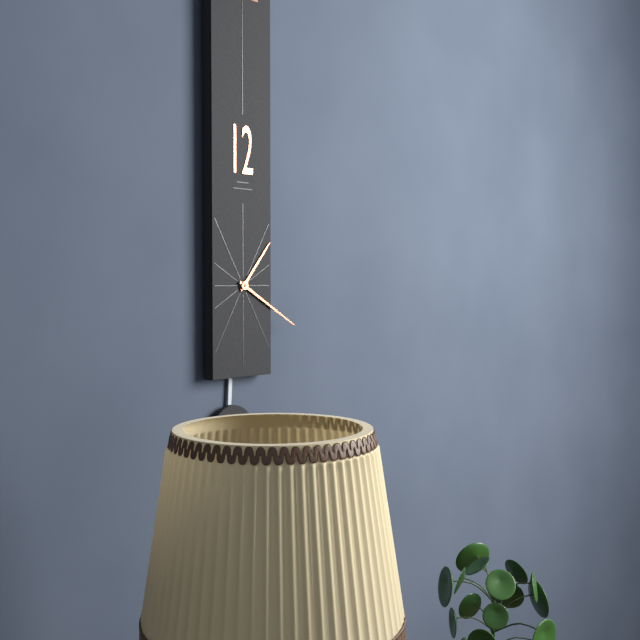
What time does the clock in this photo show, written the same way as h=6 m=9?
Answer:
h=1 m=20
